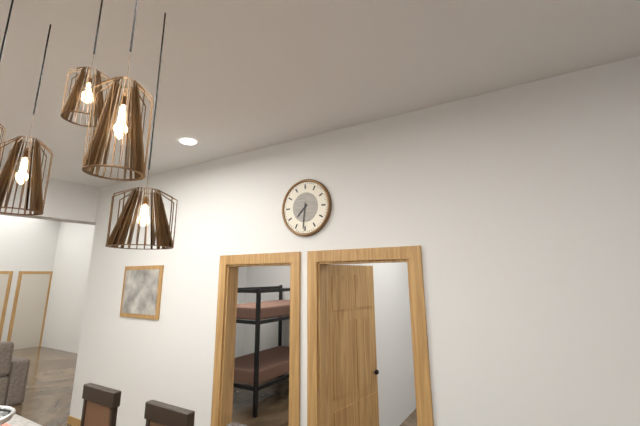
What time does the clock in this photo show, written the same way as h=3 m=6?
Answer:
h=7 m=31
